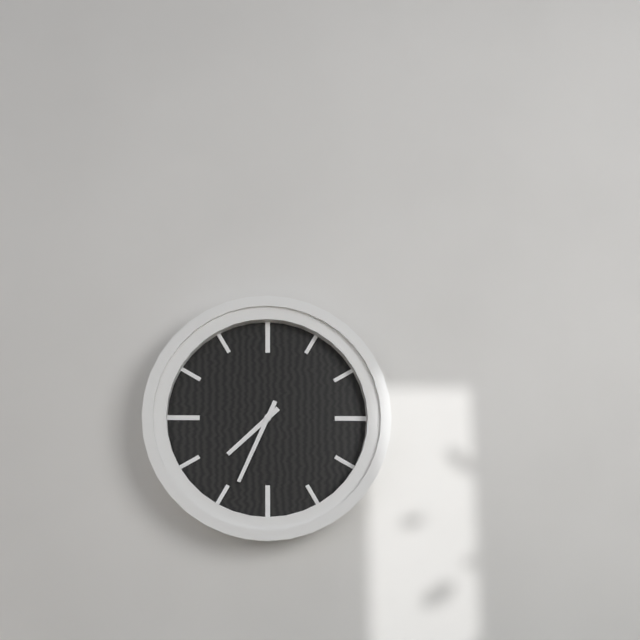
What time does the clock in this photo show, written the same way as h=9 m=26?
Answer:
h=7 m=34
